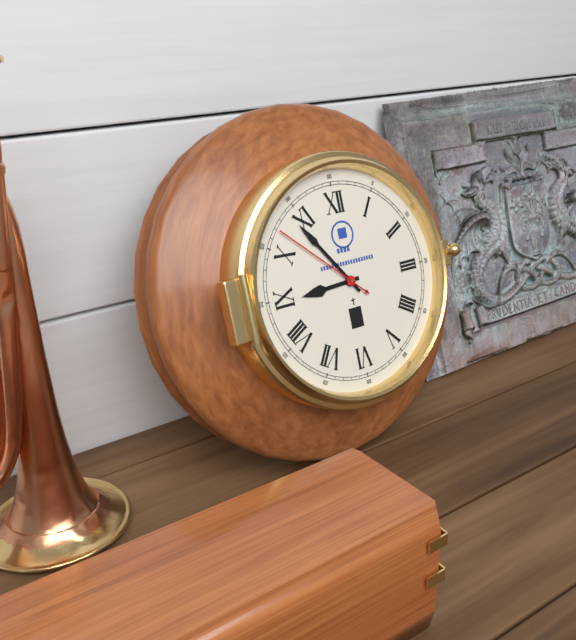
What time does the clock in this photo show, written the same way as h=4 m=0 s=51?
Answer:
h=8 m=54 s=52
